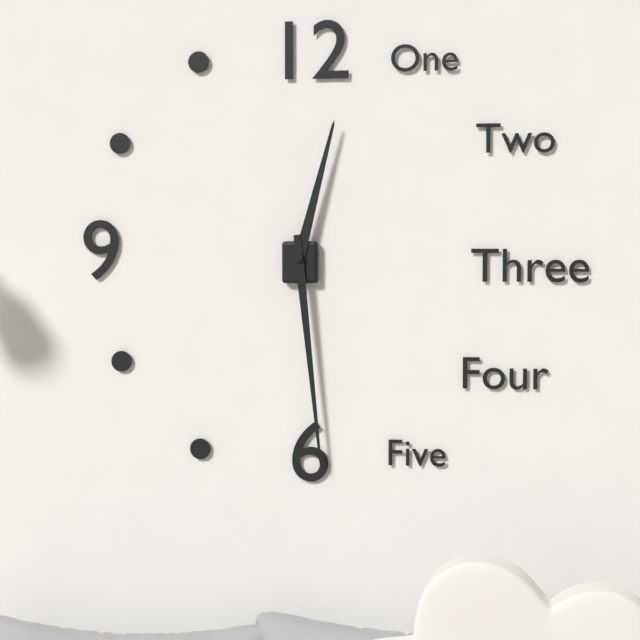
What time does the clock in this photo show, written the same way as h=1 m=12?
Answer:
h=12 m=29
